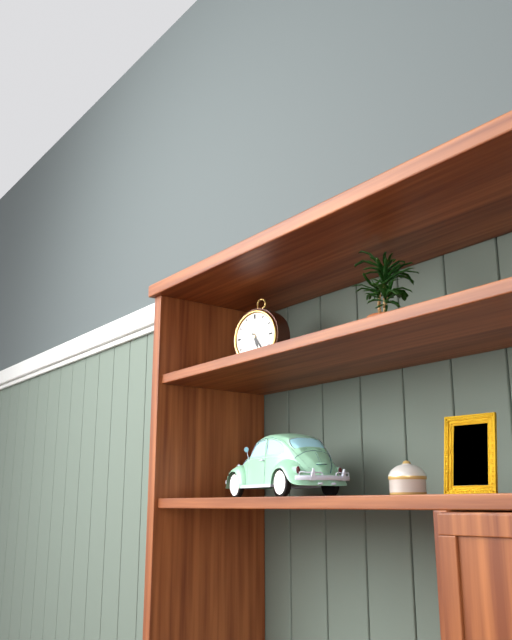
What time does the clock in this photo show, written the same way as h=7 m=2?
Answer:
h=5 m=24
